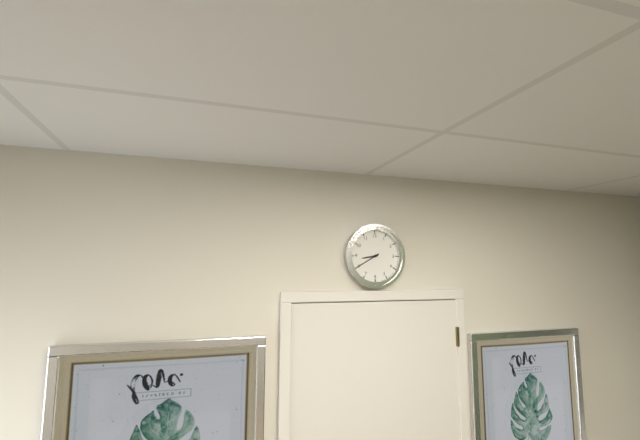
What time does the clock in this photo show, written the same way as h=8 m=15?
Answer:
h=8 m=40
